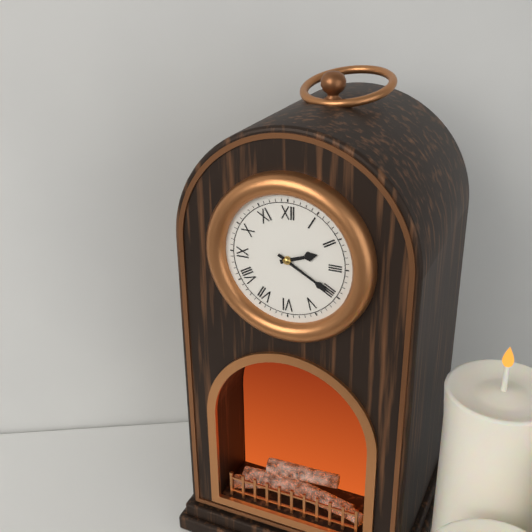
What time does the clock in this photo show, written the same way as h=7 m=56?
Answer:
h=2 m=20
